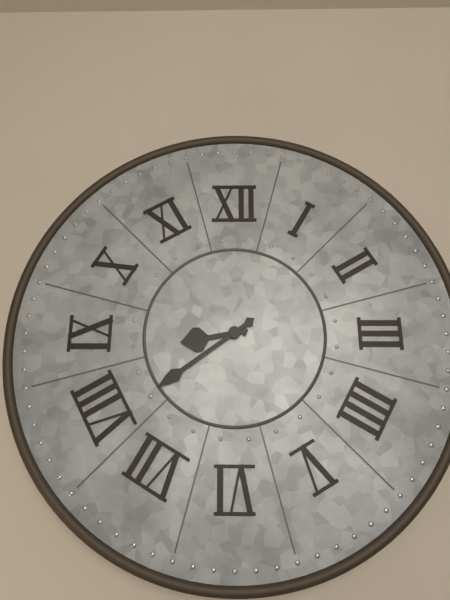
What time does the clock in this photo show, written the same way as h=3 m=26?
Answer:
h=8 m=39
